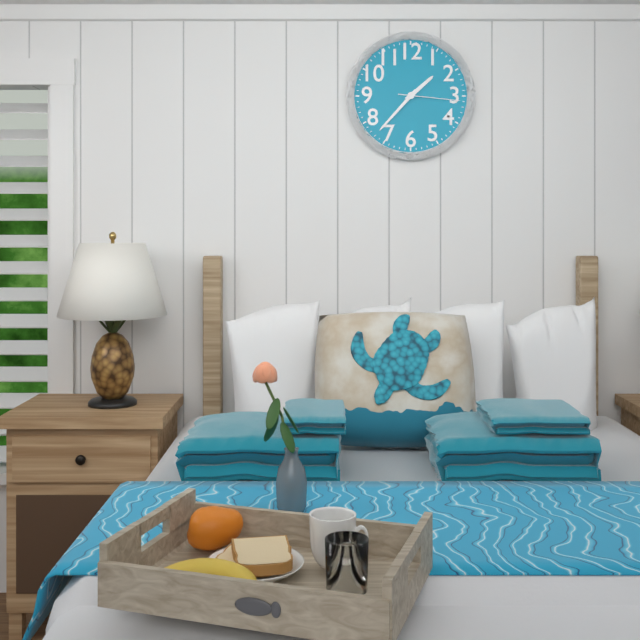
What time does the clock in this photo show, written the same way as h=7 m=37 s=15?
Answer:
h=1 m=37 s=16
